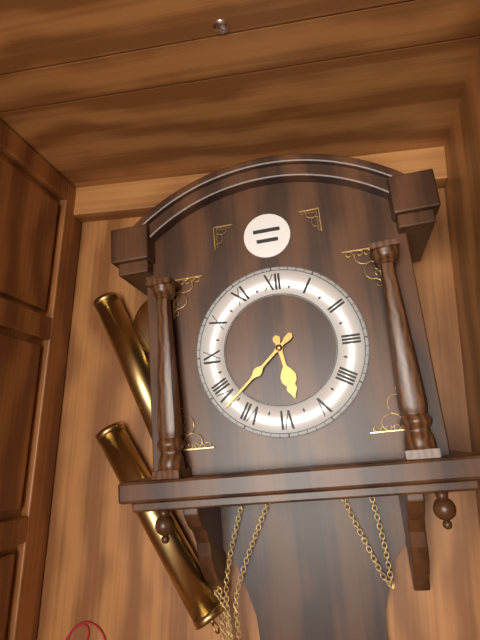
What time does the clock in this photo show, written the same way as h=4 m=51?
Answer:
h=5 m=38
